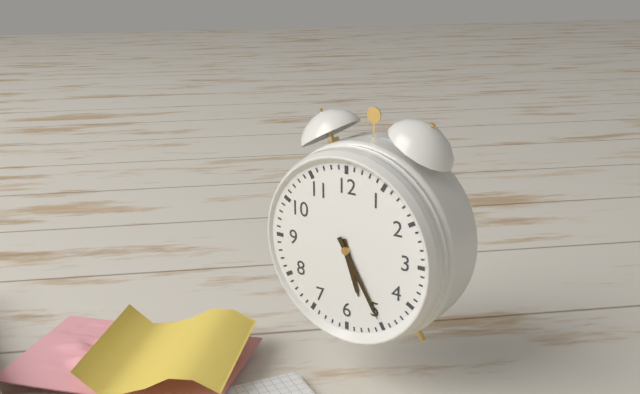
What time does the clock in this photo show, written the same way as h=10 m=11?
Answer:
h=5 m=25
